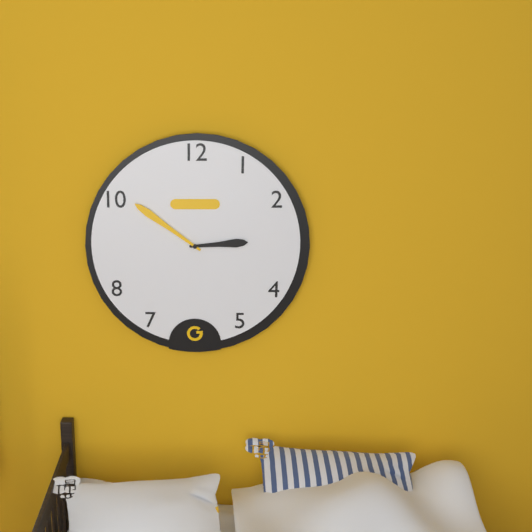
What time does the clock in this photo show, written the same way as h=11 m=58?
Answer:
h=2 m=51
